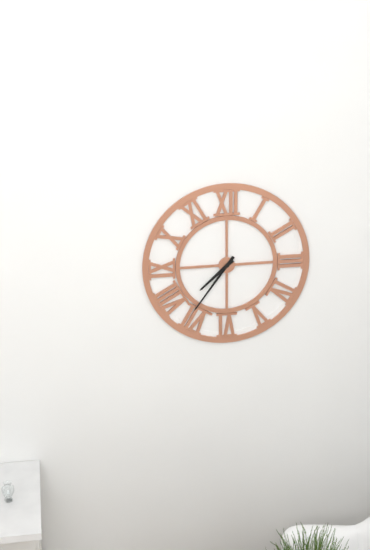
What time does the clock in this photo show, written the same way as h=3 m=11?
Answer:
h=7 m=36
